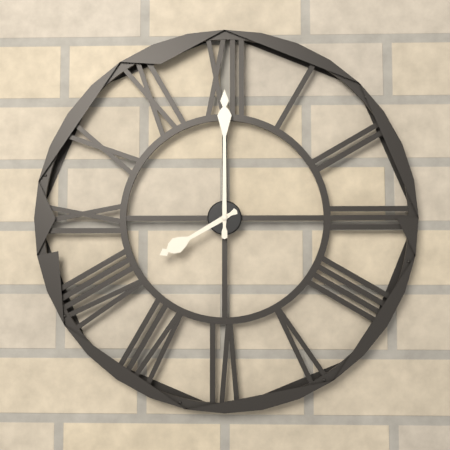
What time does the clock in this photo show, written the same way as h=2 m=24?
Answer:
h=8 m=0
